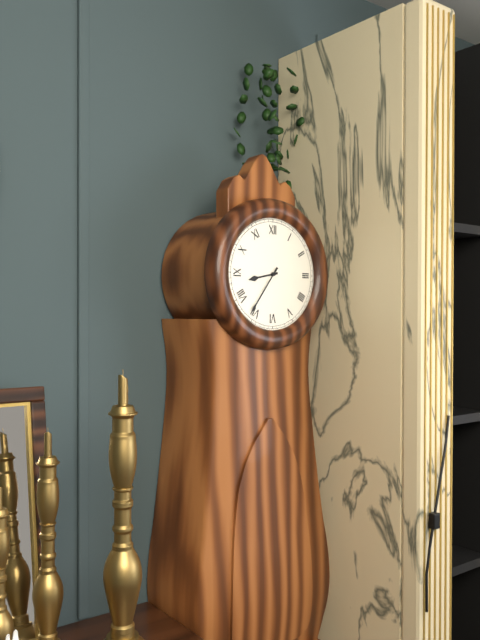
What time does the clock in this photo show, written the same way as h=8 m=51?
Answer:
h=8 m=36
